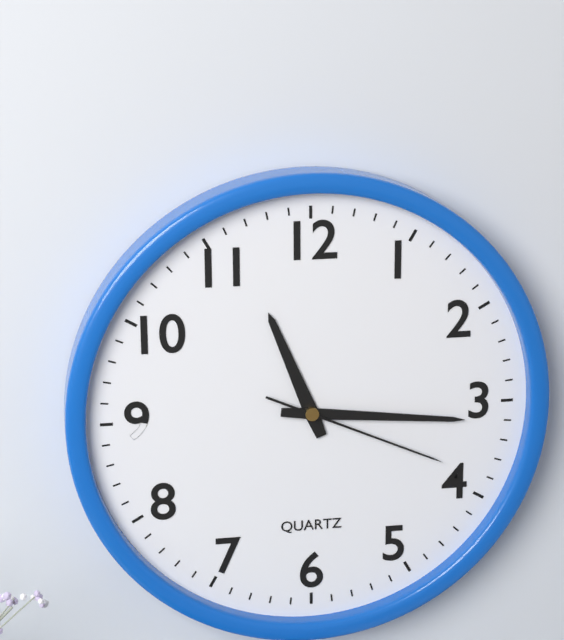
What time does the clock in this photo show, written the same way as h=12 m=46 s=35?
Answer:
h=11 m=16 s=19
